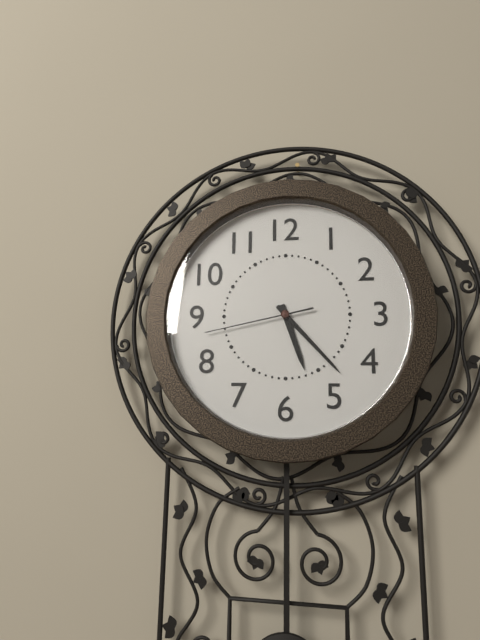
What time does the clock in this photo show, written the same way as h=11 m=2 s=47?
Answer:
h=5 m=23 s=43
